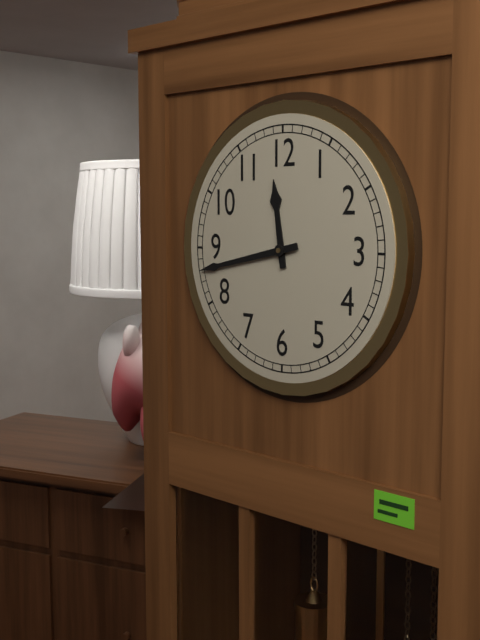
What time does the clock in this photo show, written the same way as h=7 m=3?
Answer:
h=11 m=43
